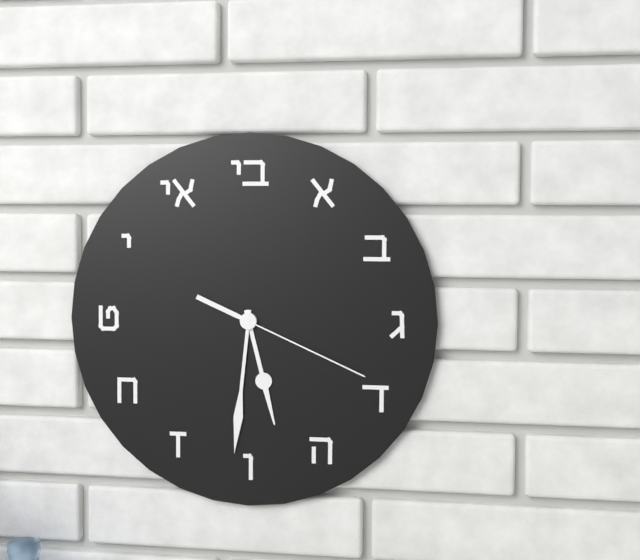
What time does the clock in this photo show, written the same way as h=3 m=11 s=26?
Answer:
h=5 m=31 s=19
